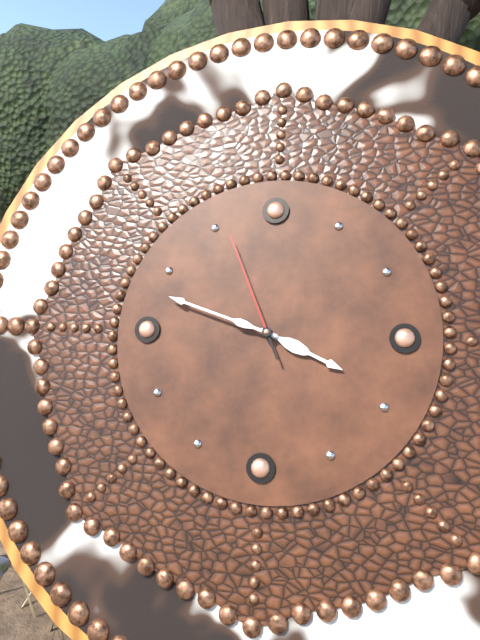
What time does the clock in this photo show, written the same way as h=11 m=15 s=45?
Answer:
h=3 m=48 s=56
